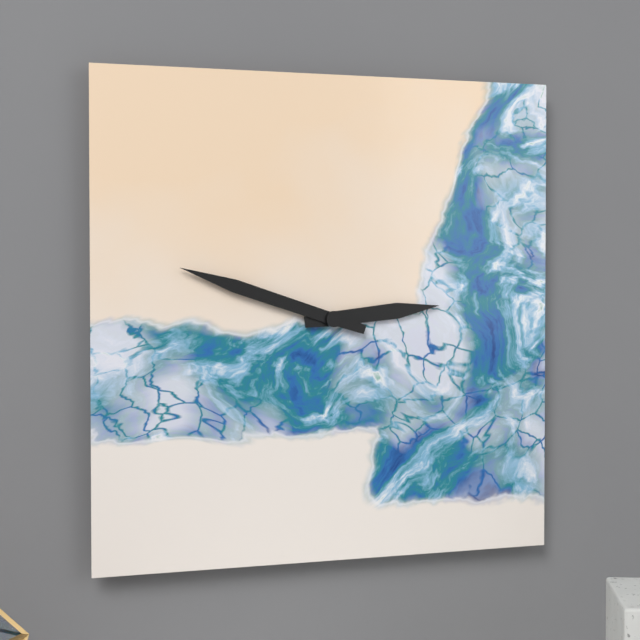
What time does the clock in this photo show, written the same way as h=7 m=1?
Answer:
h=2 m=48
